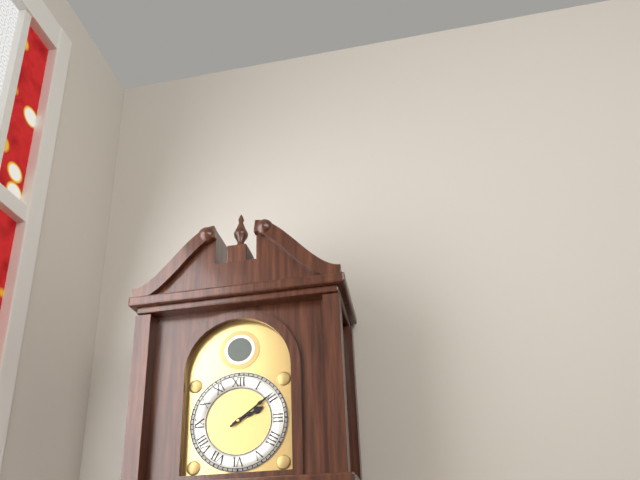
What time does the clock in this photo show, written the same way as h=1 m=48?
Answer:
h=2 m=9
